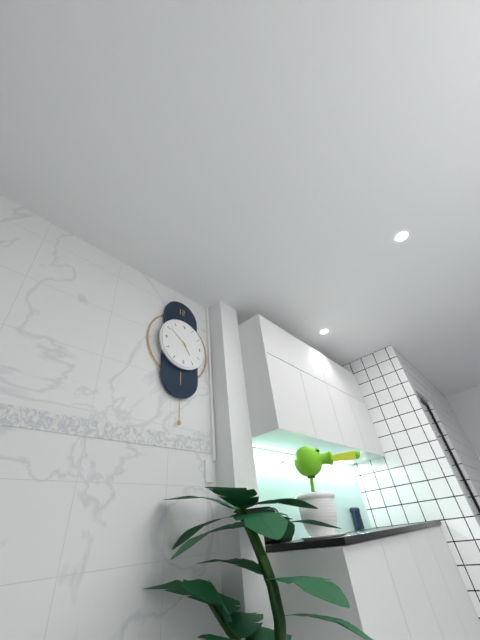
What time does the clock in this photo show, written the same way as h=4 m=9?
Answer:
h=4 m=51
